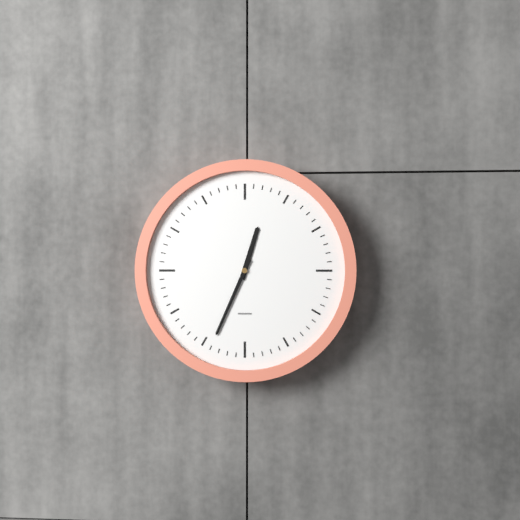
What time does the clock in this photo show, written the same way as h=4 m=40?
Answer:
h=12 m=34
